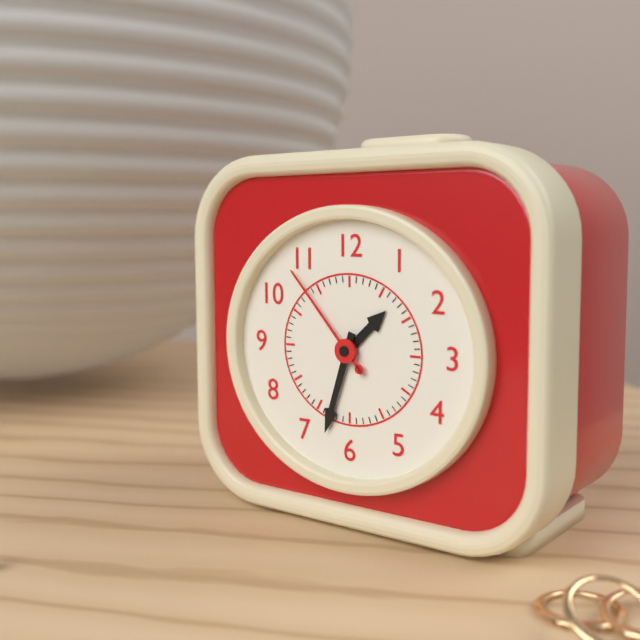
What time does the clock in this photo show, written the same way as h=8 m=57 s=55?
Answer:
h=1 m=33 s=53
